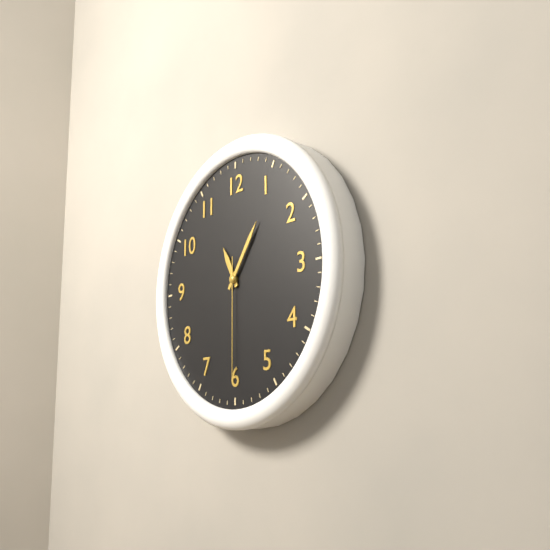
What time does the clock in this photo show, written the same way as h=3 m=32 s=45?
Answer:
h=11 m=6 s=30
